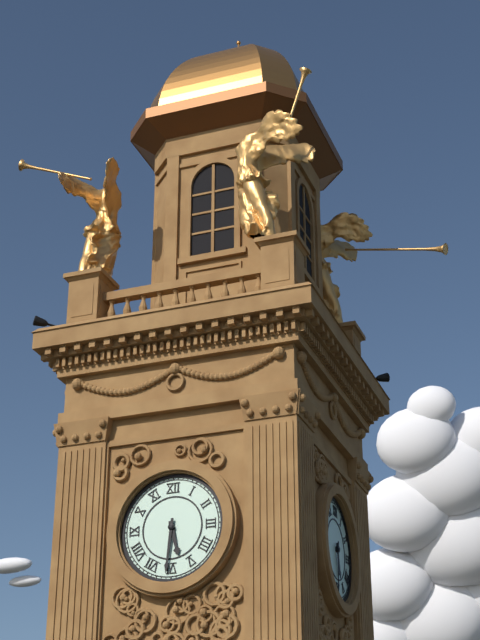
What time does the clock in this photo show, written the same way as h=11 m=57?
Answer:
h=5 m=31
